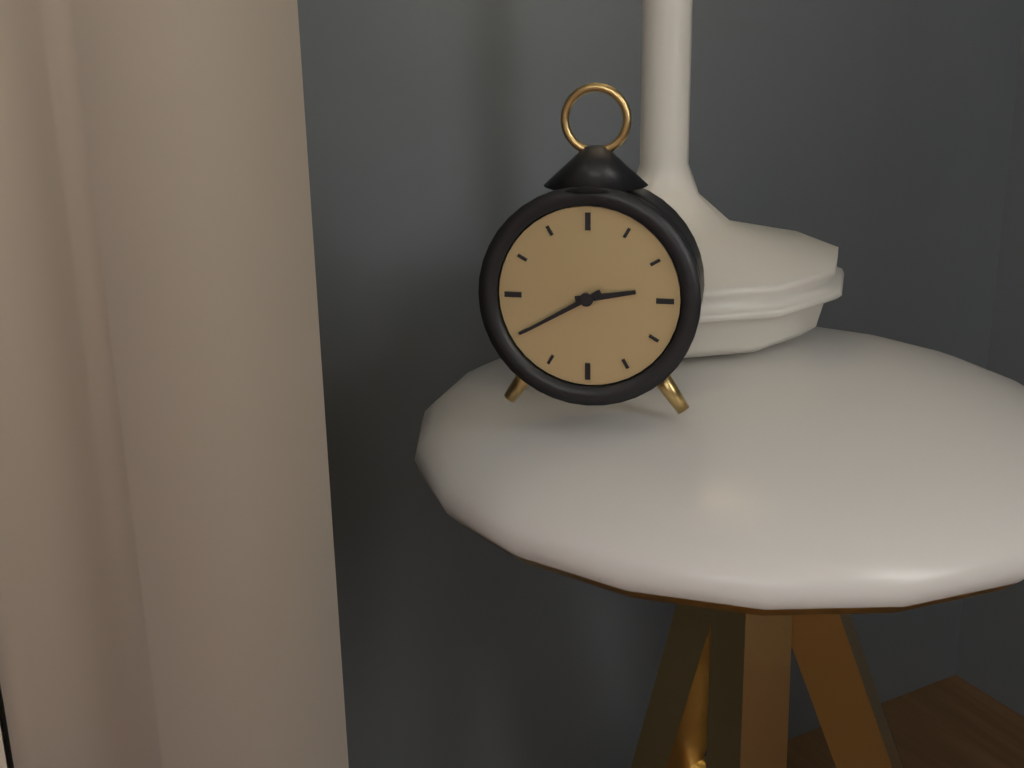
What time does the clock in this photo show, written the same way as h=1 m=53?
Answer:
h=2 m=40
